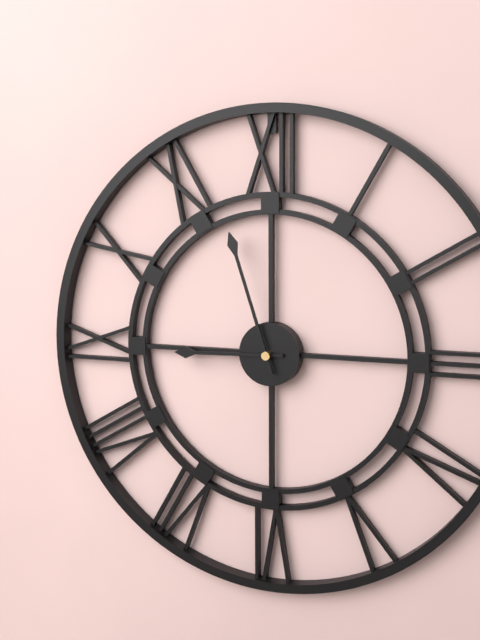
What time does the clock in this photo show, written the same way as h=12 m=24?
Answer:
h=8 m=57
